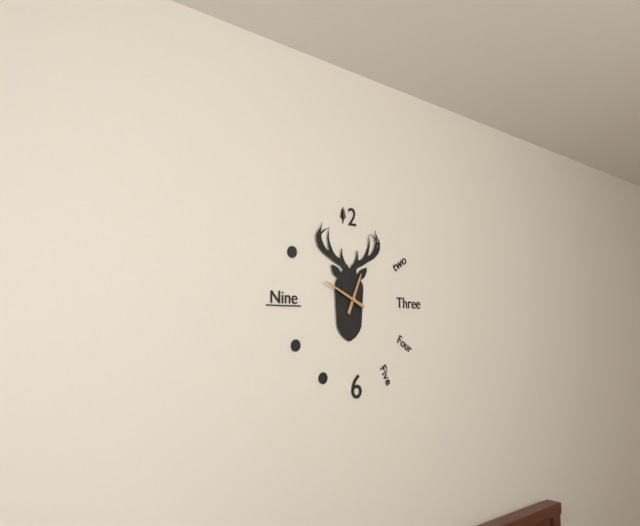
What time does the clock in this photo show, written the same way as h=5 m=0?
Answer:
h=12 m=49
